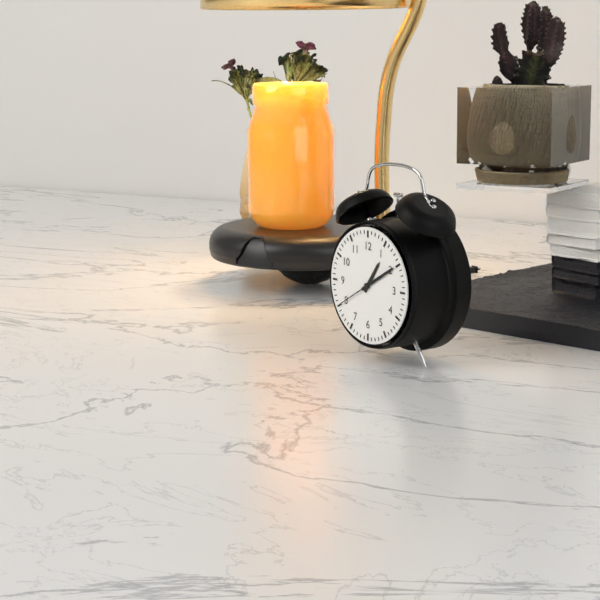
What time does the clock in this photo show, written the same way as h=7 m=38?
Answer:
h=1 m=10
